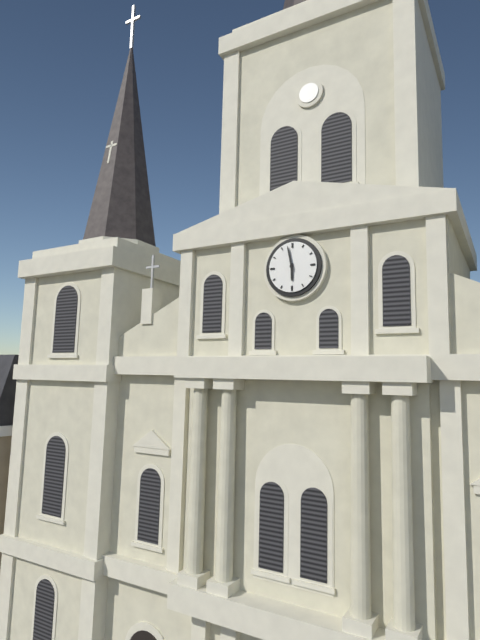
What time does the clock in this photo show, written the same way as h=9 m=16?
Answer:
h=5 m=58
